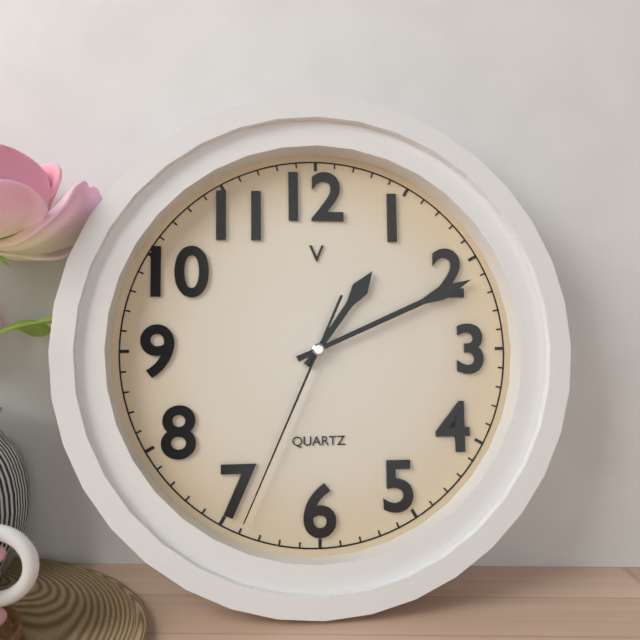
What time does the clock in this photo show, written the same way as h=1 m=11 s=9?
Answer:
h=1 m=11 s=34
